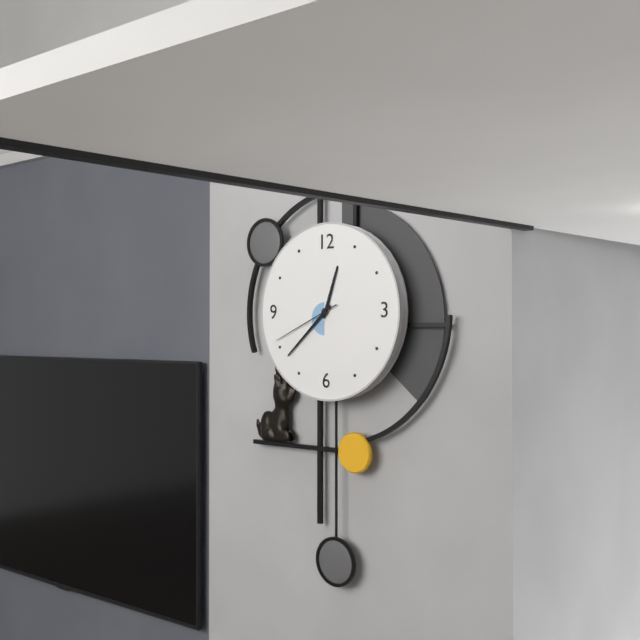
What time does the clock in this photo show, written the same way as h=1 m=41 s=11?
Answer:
h=12 m=38 s=41
